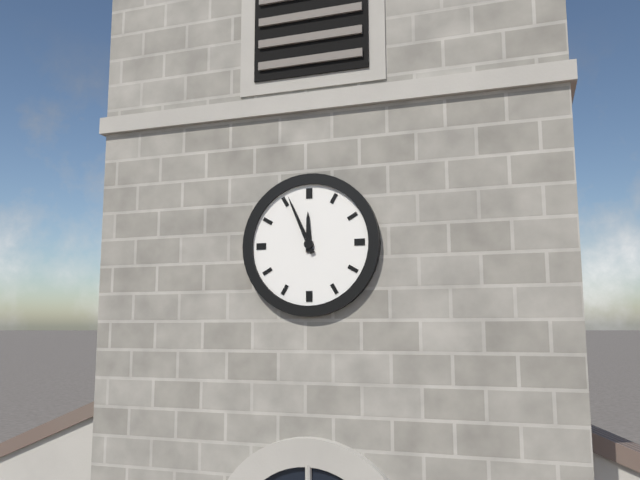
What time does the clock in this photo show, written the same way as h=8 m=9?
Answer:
h=11 m=56
